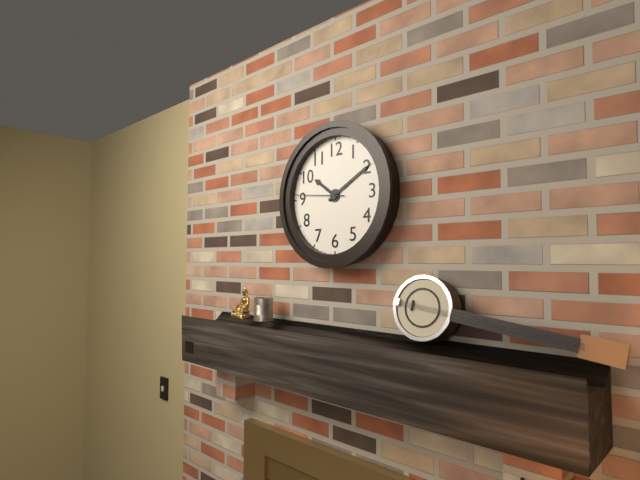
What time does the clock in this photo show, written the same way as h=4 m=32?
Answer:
h=10 m=10
